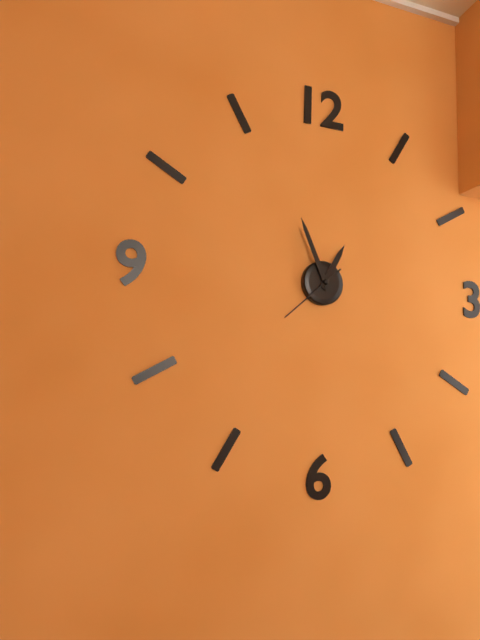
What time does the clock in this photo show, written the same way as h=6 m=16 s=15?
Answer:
h=12 m=56 s=38
